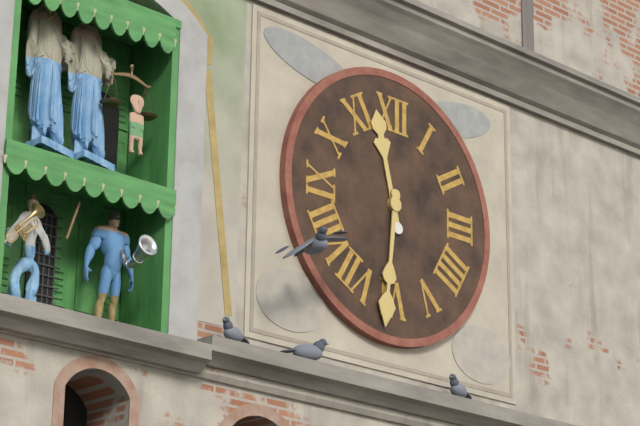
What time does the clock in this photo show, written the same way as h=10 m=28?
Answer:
h=11 m=31
